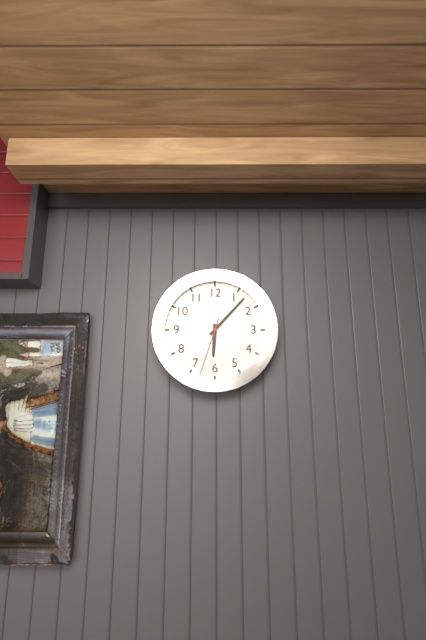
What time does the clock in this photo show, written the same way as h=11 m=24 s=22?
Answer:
h=6 m=7 s=33
